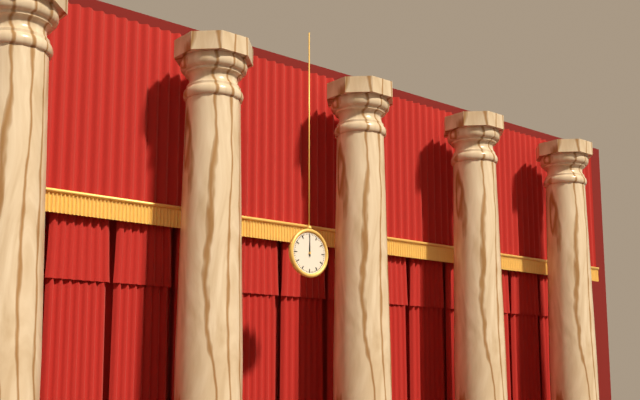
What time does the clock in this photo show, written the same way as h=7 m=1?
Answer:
h=12 m=0
